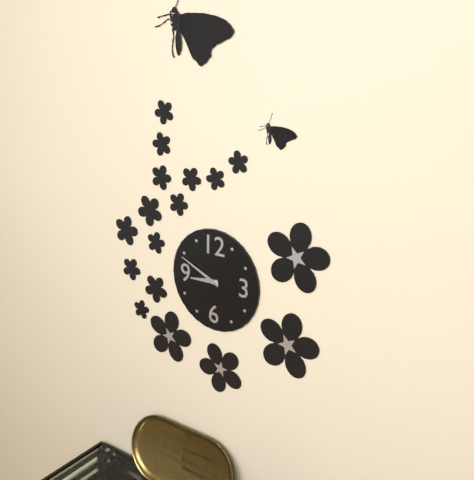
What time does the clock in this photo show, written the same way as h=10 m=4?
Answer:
h=8 m=49
